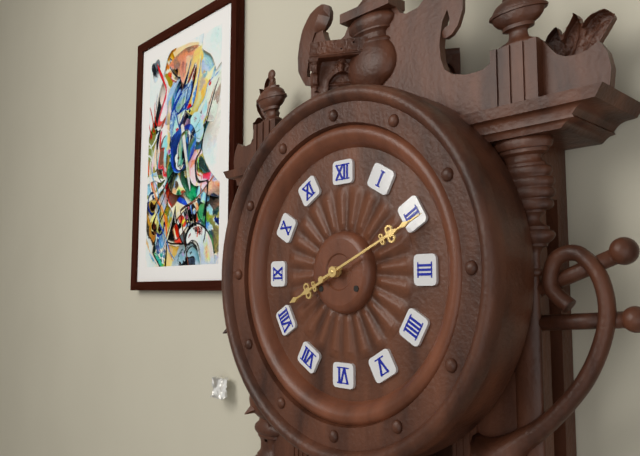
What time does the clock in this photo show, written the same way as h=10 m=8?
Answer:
h=8 m=11
